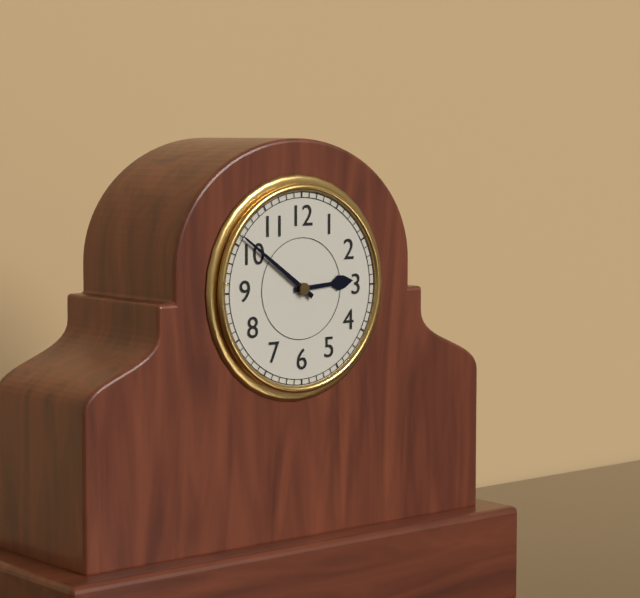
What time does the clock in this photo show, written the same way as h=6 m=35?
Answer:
h=2 m=51
